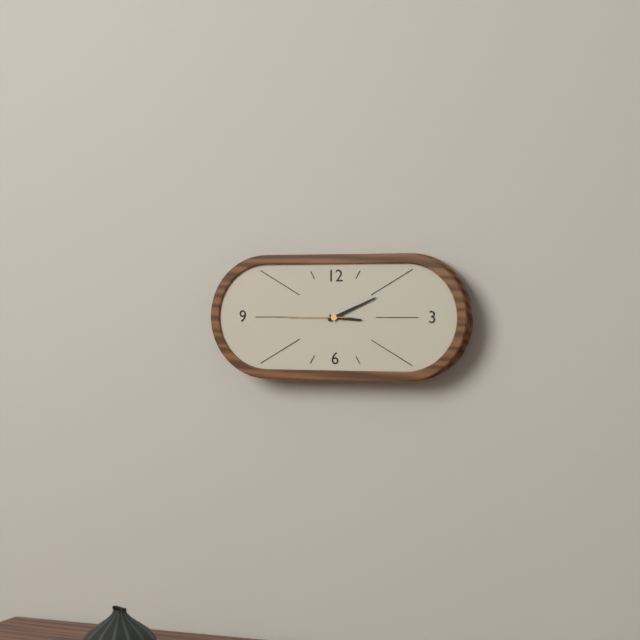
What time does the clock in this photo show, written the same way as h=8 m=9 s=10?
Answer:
h=3 m=11 s=45
